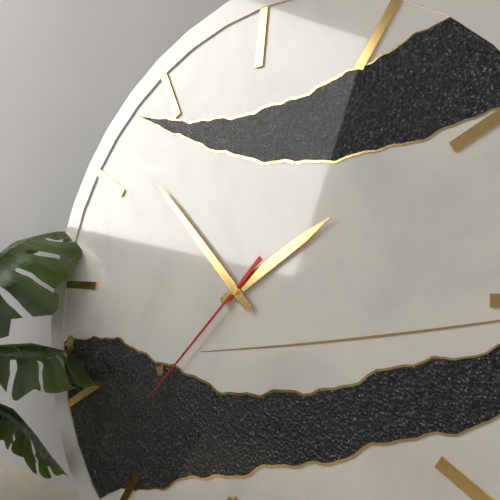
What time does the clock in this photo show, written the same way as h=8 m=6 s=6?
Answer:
h=1 m=52 s=37
